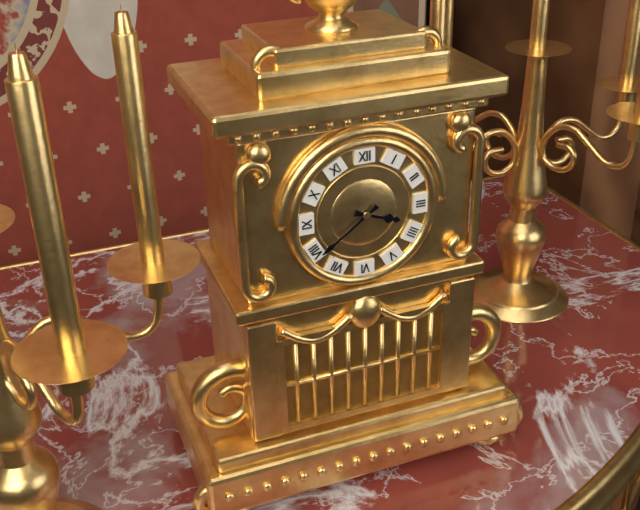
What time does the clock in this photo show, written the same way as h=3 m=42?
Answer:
h=3 m=39
